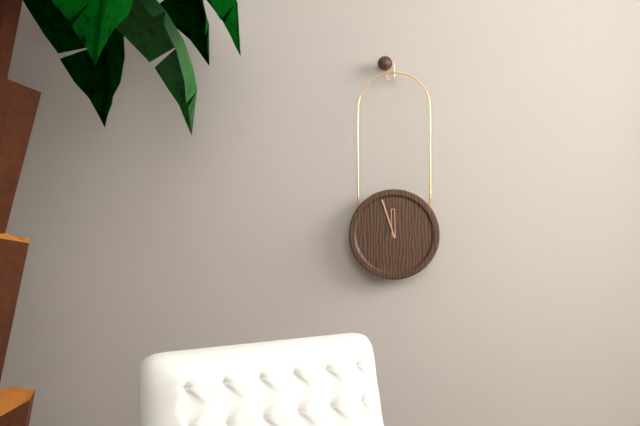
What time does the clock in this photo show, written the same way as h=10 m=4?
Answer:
h=11 m=57
